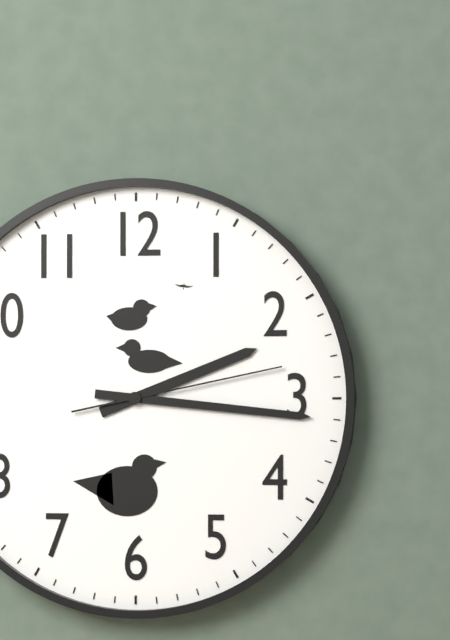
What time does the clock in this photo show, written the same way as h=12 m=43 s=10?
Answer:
h=2 m=16 s=13
